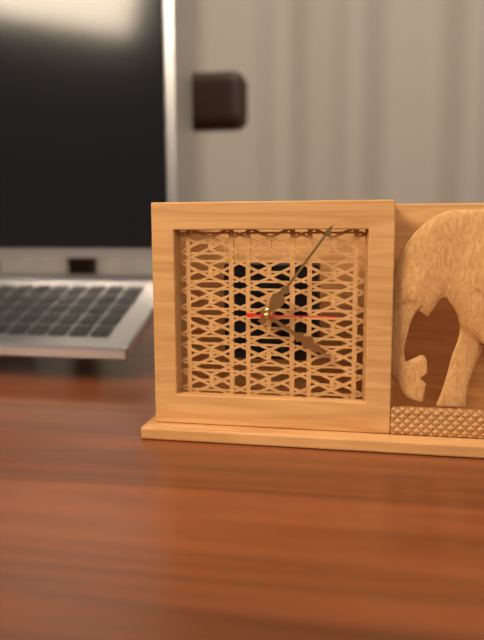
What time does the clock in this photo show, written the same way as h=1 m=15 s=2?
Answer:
h=4 m=6 s=15
